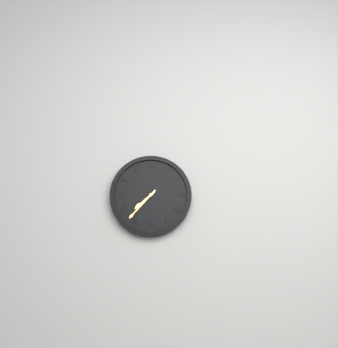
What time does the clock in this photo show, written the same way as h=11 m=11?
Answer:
h=7 m=37
